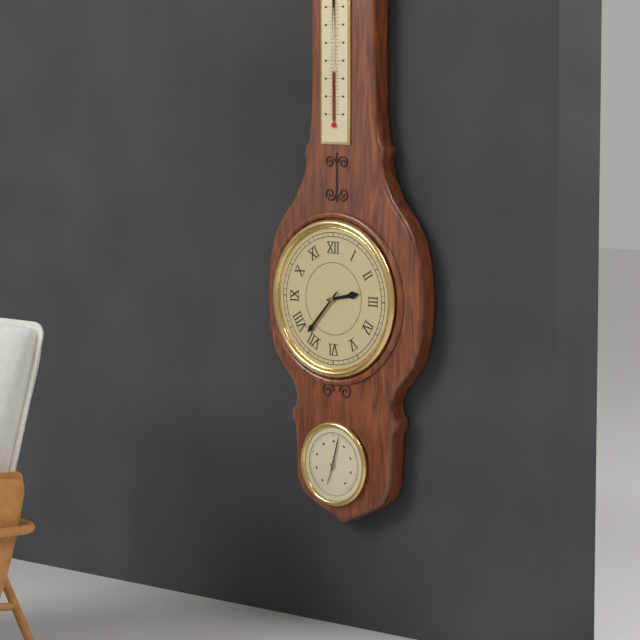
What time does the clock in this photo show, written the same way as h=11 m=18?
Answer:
h=2 m=37
